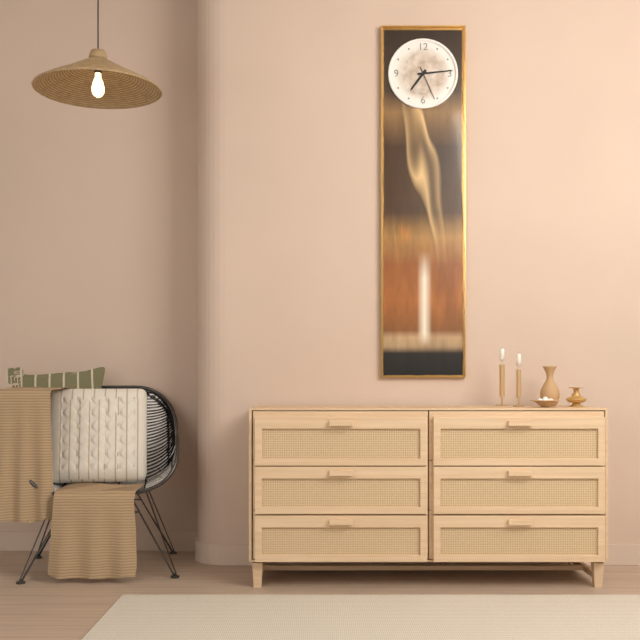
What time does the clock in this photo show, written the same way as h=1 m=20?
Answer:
h=7 m=14
